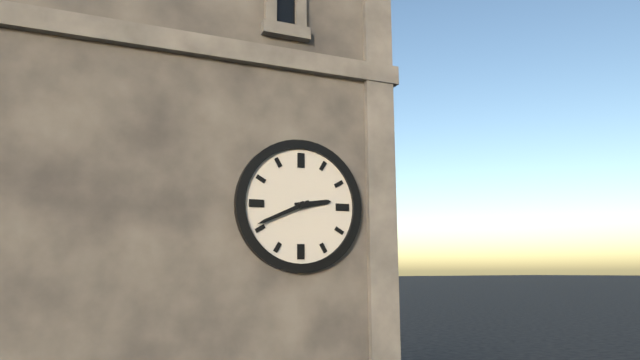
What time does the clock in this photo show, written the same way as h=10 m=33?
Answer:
h=2 m=41
